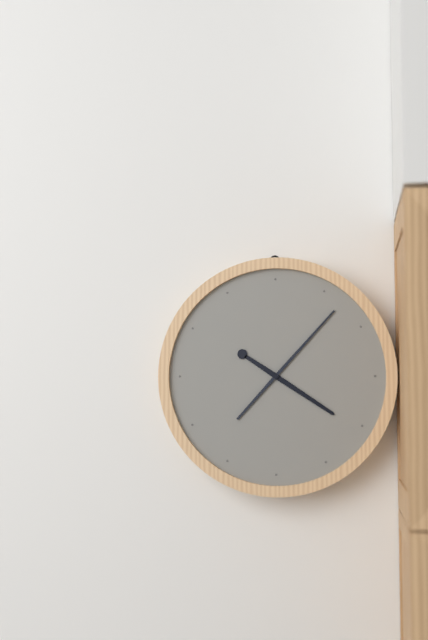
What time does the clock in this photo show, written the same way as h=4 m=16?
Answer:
h=4 m=7
